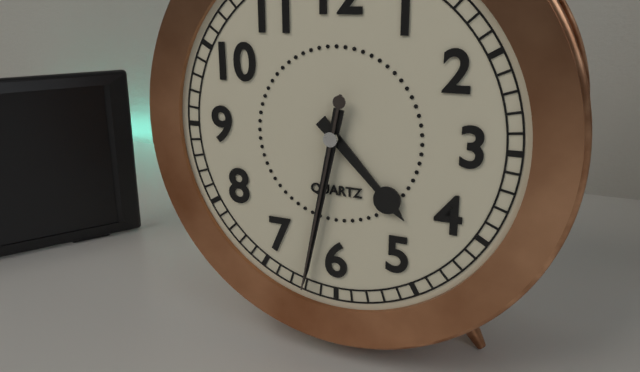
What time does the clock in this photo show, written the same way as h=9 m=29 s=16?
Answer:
h=4 m=32 s=32
